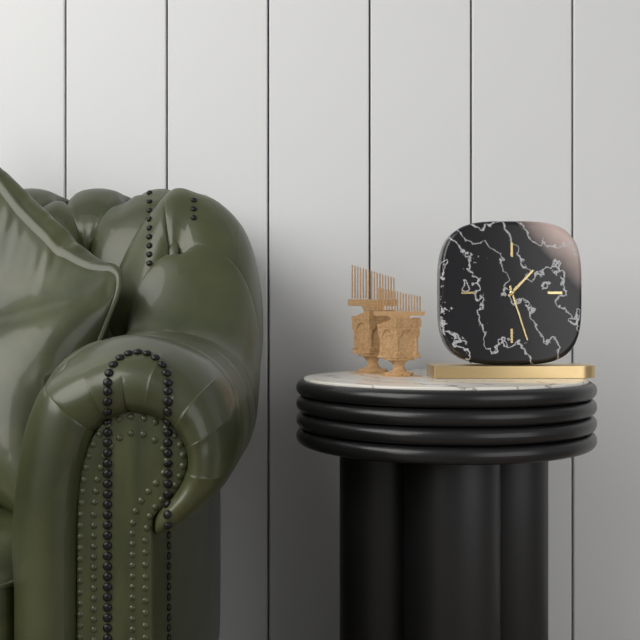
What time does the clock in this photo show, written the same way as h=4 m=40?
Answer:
h=1 m=27
